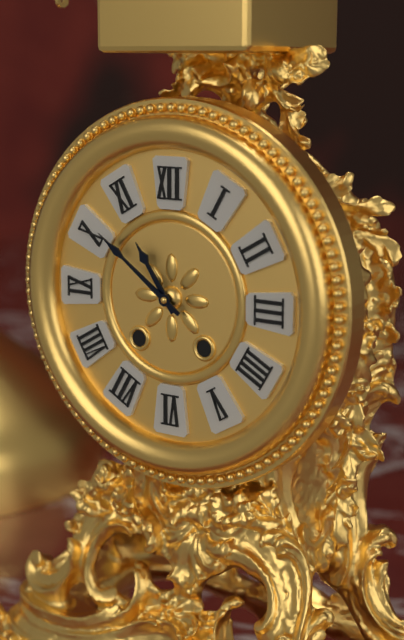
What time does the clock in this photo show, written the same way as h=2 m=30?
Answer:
h=10 m=51
